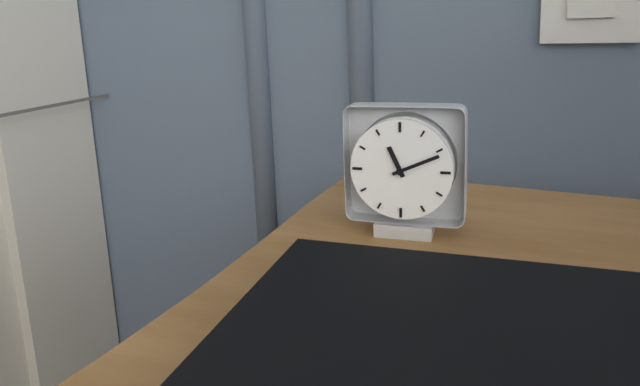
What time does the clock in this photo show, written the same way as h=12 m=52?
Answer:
h=11 m=11
